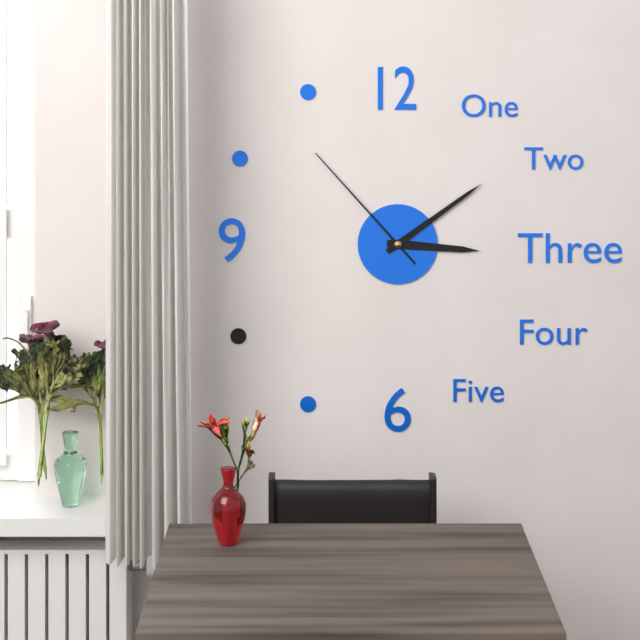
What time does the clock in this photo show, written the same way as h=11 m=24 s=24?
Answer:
h=3 m=9 s=53
